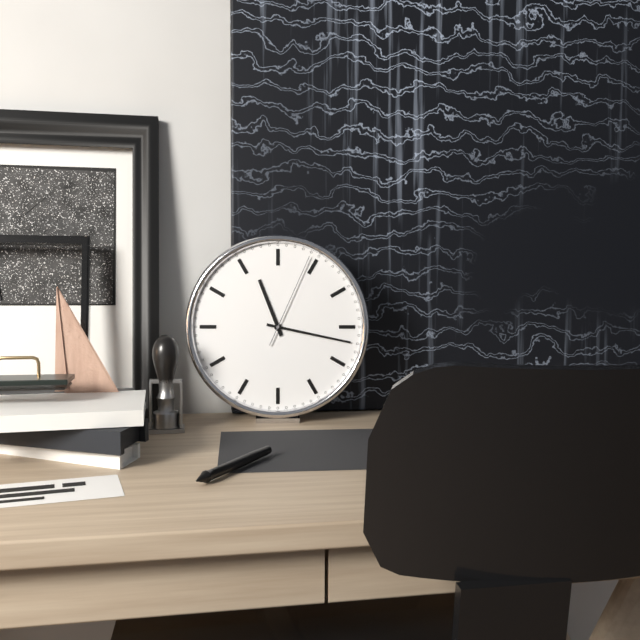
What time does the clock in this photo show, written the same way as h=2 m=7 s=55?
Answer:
h=11 m=17 s=4
